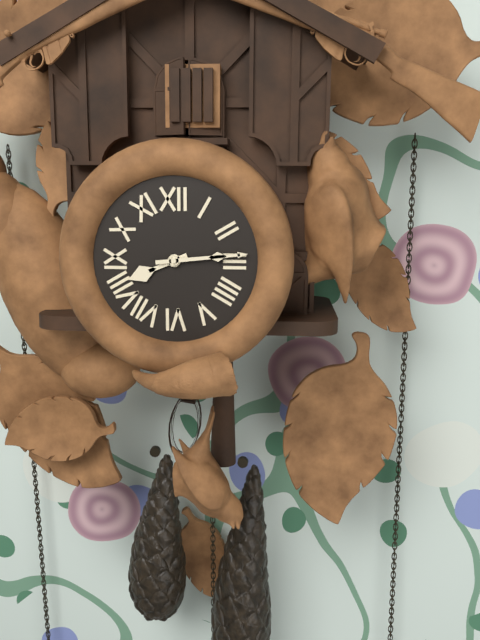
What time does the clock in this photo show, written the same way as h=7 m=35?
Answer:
h=8 m=14
